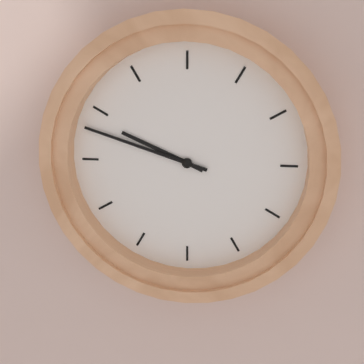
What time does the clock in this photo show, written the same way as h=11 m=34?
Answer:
h=9 m=48
